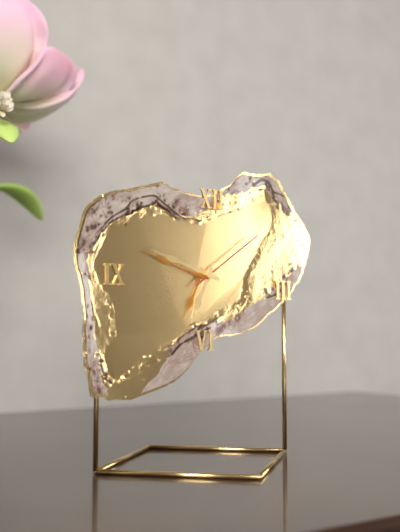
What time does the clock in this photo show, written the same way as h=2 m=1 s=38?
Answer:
h=6 m=48 s=9
